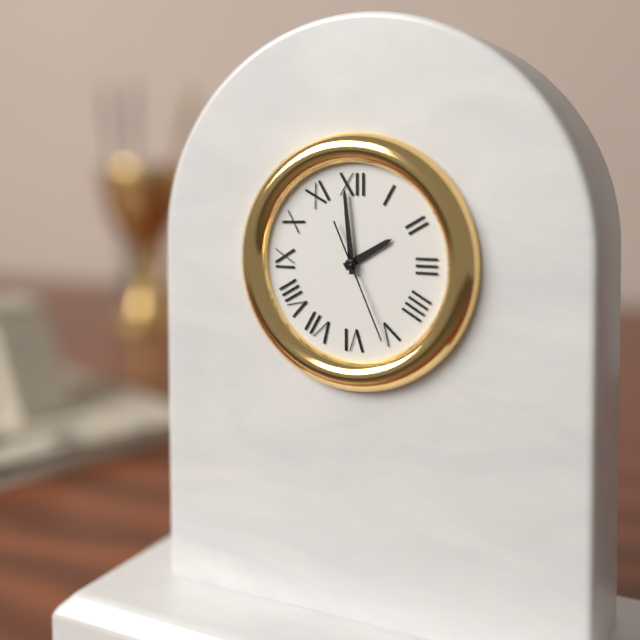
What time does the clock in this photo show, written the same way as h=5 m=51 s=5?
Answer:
h=1 m=59 s=26
